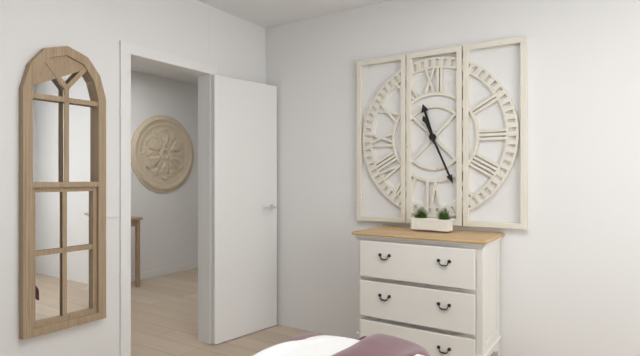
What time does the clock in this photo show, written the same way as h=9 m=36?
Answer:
h=11 m=26
